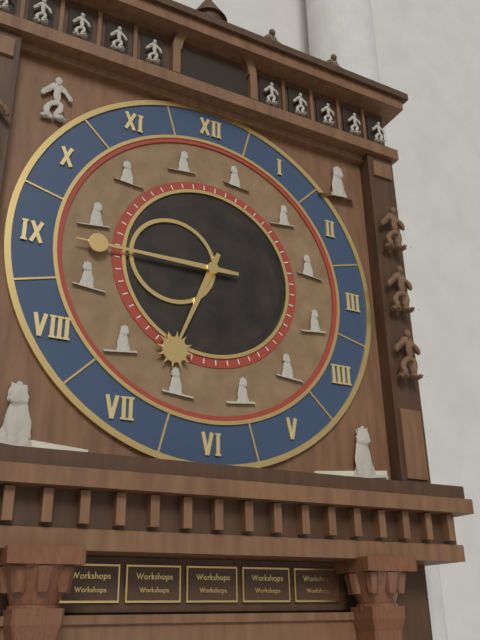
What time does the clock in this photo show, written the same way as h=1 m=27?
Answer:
h=6 m=45
